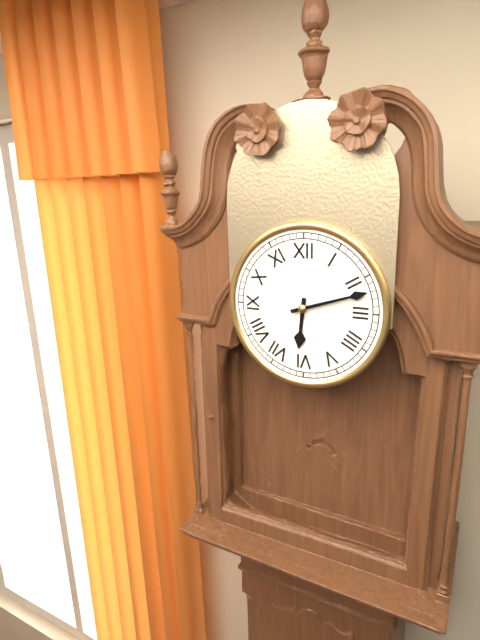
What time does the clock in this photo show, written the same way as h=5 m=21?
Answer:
h=6 m=12
